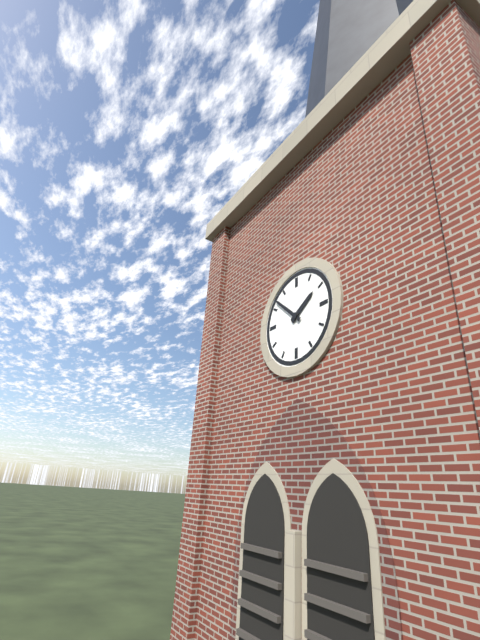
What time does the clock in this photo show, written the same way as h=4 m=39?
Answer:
h=1 m=52
